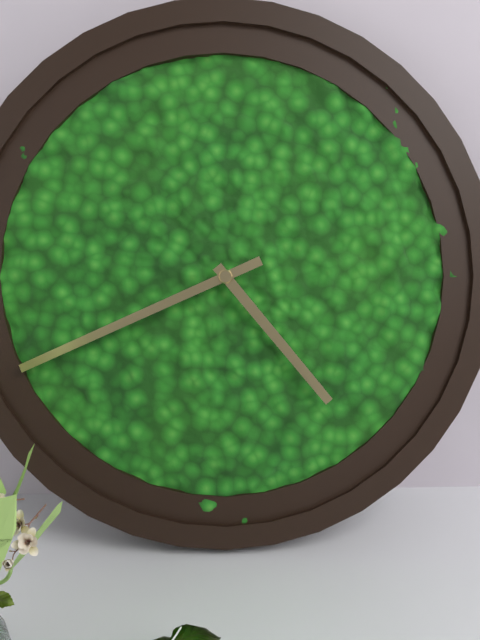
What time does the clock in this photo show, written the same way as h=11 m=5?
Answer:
h=4 m=41
